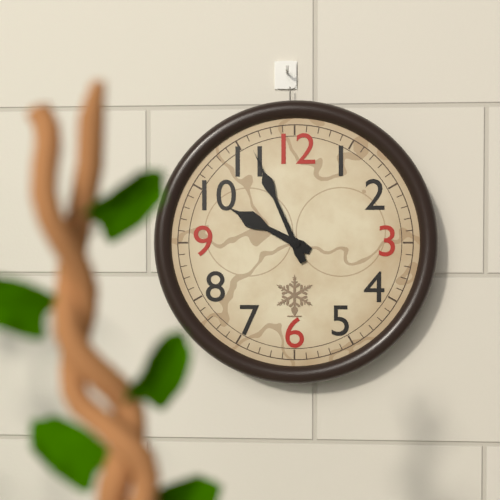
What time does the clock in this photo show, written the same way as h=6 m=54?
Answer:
h=9 m=56
